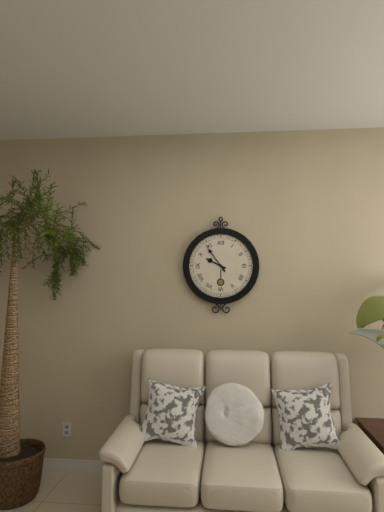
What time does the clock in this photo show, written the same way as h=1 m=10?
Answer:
h=9 m=54
